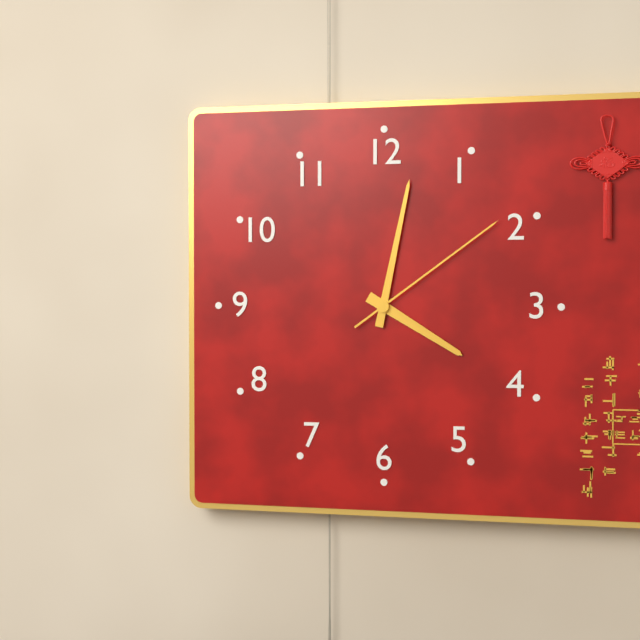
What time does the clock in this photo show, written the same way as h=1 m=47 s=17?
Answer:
h=4 m=2 s=9
